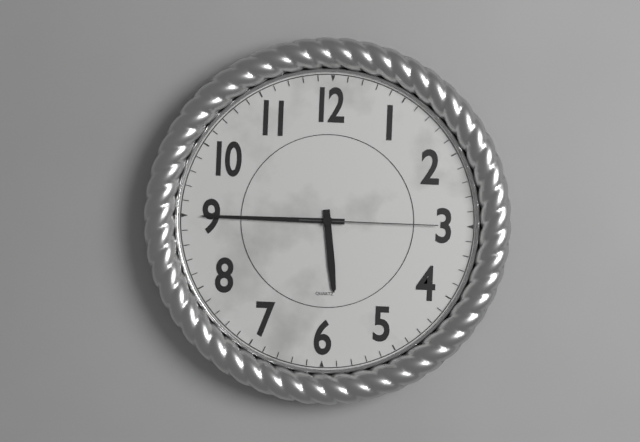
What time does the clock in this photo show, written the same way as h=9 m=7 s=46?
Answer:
h=5 m=45 s=15
